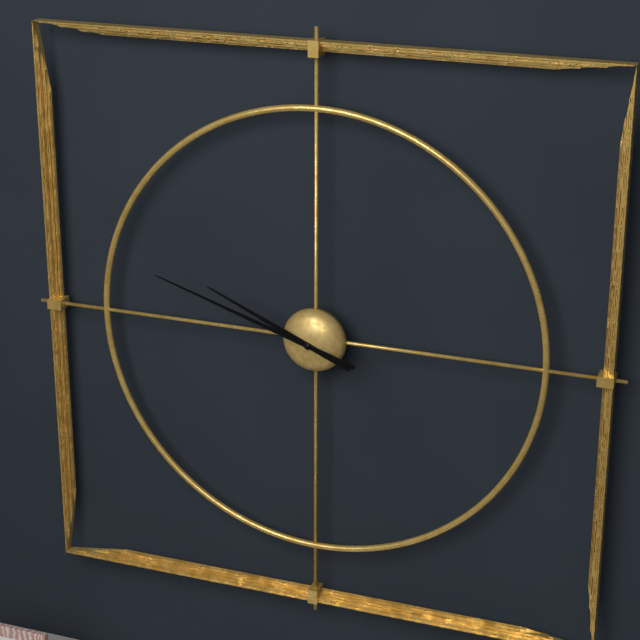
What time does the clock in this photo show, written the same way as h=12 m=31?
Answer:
h=9 m=48
